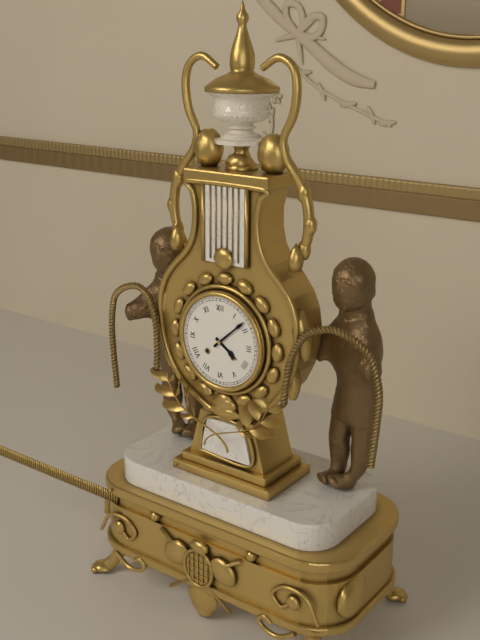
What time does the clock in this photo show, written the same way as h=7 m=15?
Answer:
h=4 m=8
